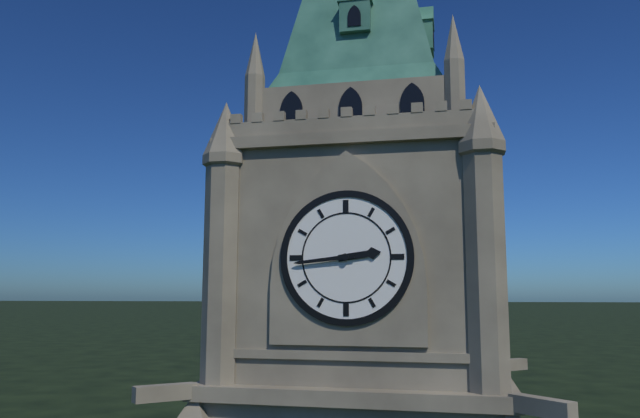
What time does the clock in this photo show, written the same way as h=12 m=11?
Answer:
h=2 m=44
